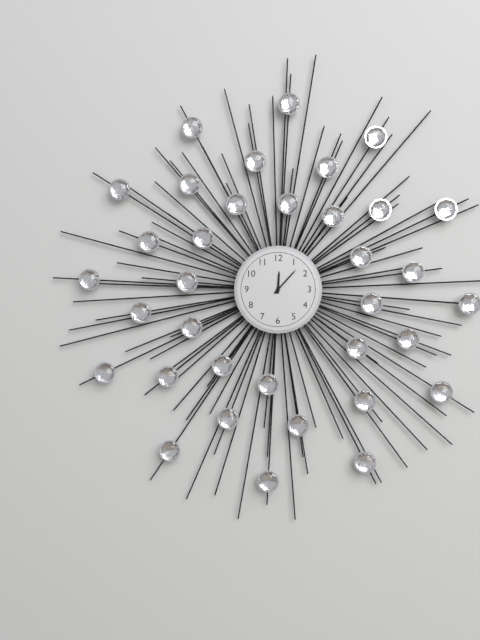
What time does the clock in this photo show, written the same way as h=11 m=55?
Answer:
h=12 m=7
